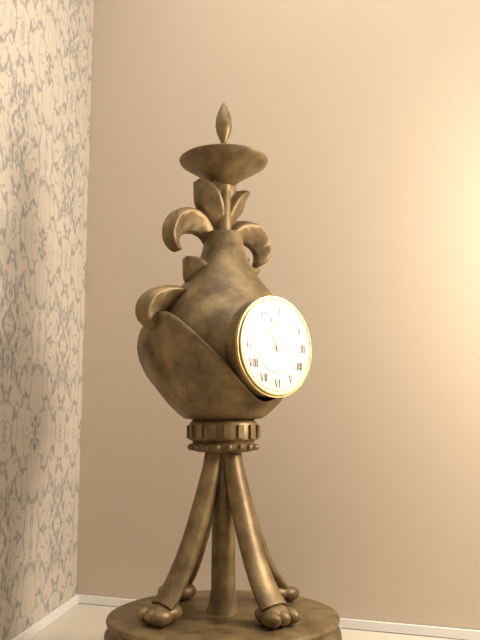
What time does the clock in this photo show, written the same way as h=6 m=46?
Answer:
h=10 m=58
